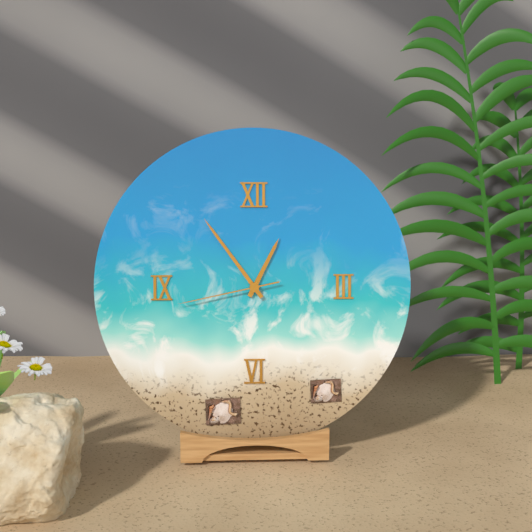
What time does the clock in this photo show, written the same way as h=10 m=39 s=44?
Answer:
h=12 m=54 s=43
